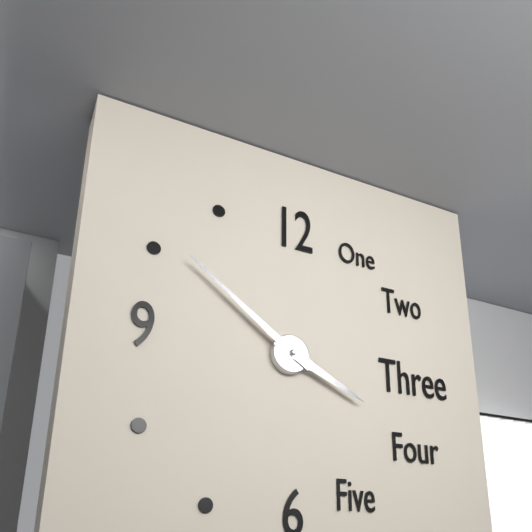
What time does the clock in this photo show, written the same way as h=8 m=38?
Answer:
h=3 m=51
